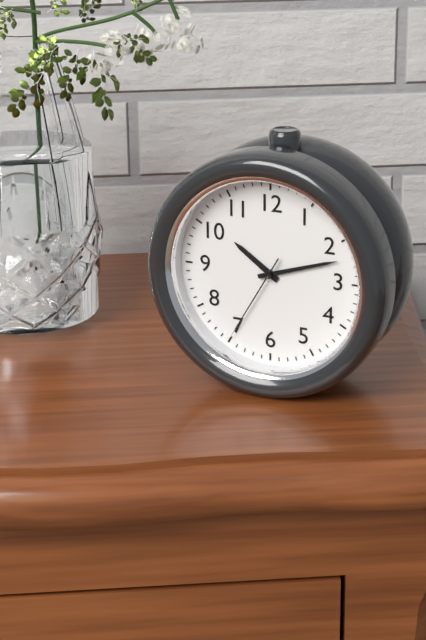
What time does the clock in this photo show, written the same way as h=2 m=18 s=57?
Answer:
h=10 m=12 s=35
